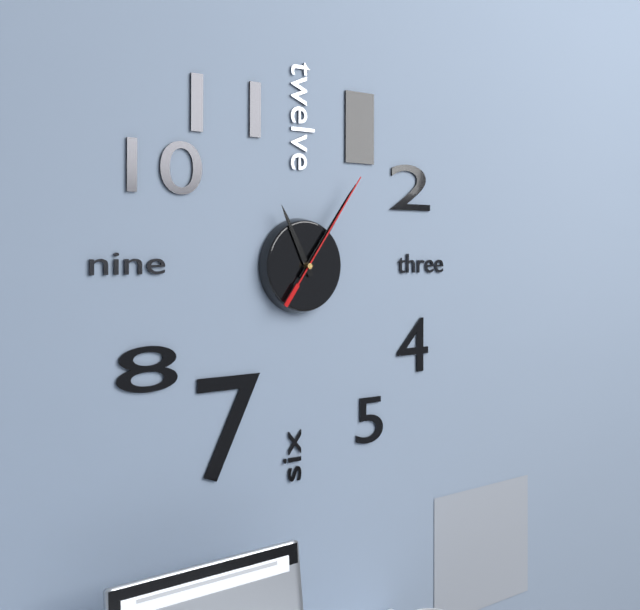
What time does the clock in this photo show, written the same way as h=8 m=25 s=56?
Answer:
h=11 m=6 s=6
